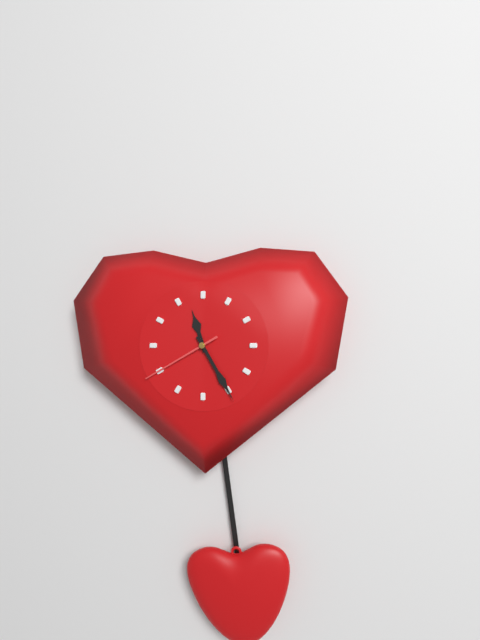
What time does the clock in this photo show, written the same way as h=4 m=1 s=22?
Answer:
h=11 m=25 s=40
